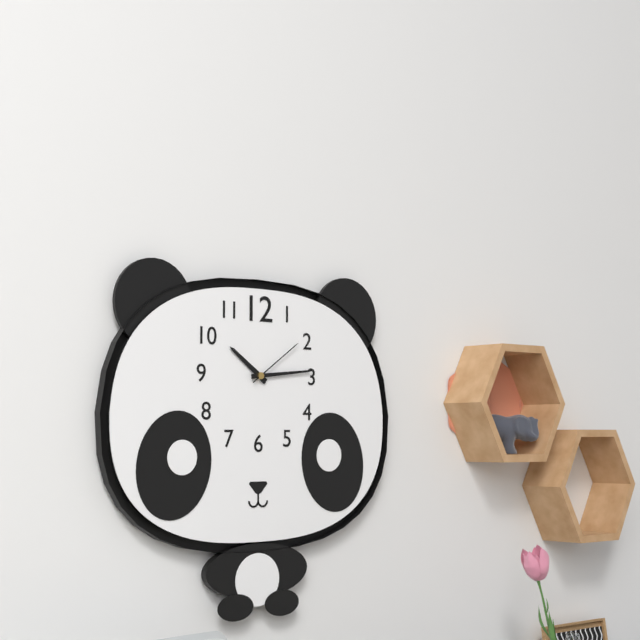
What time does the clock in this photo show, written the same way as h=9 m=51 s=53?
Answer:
h=10 m=14 s=9
